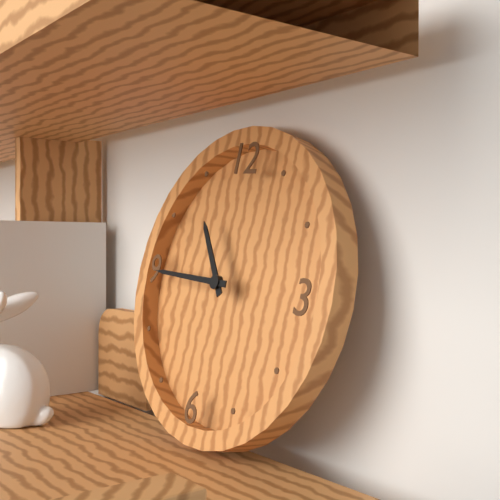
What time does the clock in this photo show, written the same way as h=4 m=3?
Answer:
h=10 m=45
